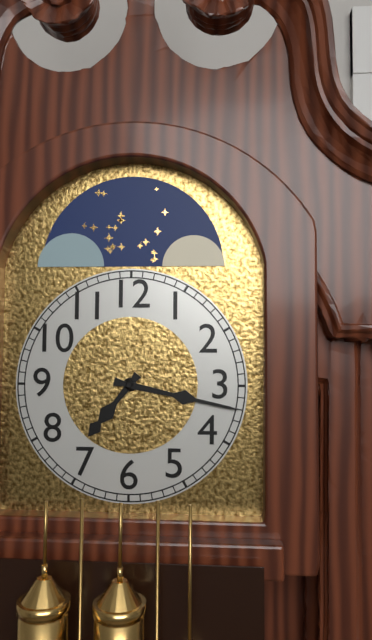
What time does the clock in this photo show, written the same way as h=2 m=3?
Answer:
h=7 m=17
